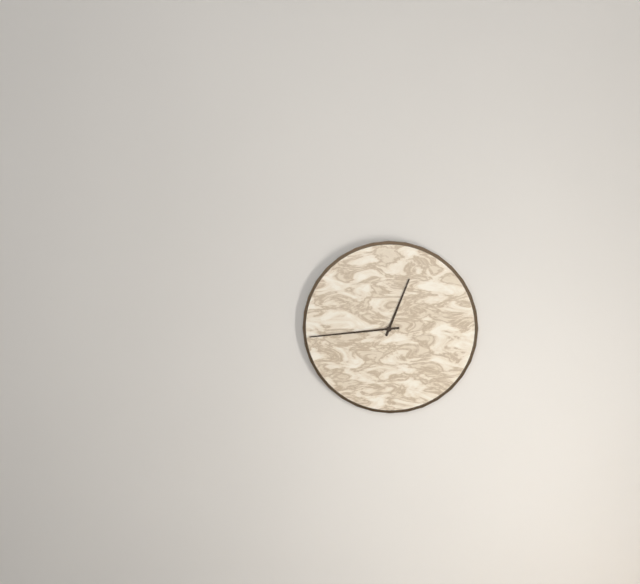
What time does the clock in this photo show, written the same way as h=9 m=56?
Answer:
h=12 m=44
